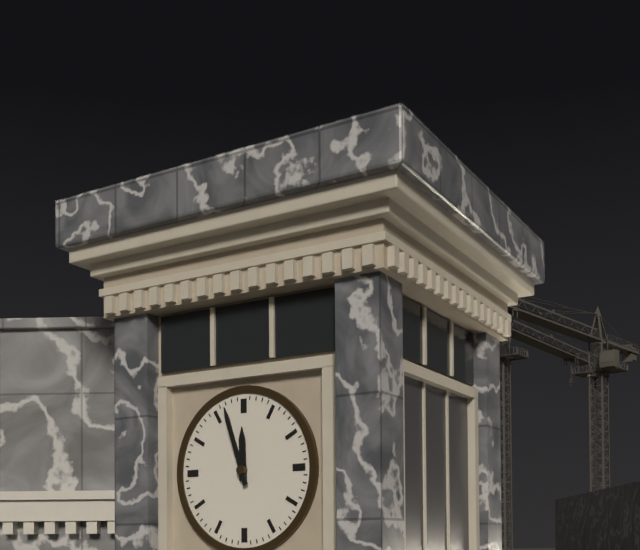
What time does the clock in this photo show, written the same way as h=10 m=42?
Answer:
h=11 m=57
